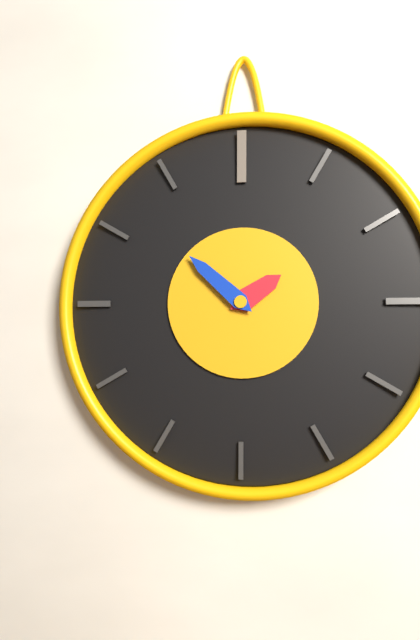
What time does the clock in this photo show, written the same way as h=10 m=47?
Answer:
h=1 m=52
